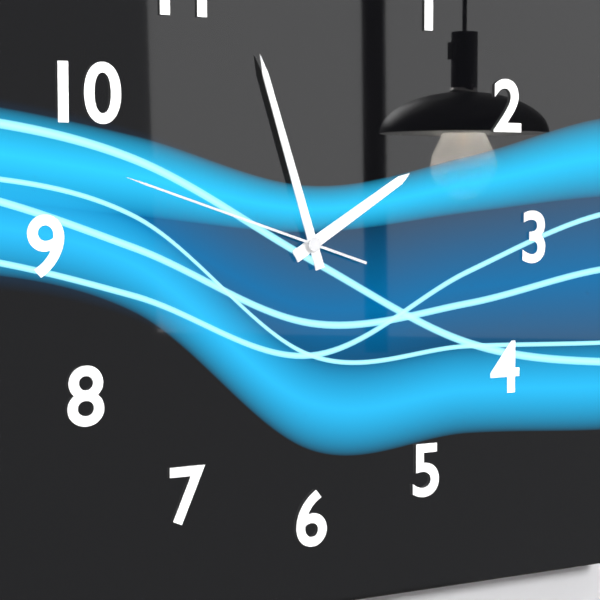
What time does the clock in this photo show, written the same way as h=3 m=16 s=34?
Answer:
h=1 m=57 s=48
